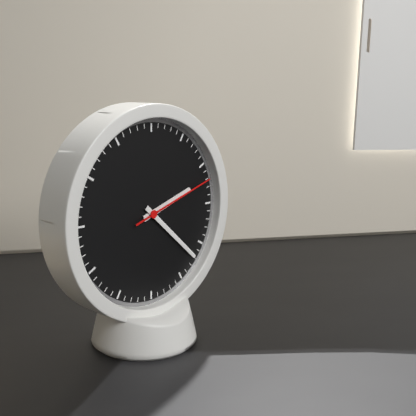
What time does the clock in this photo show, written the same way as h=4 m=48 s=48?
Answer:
h=2 m=22 s=12
